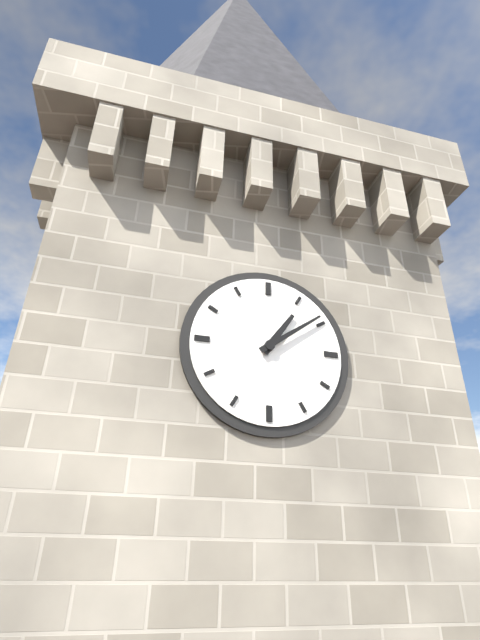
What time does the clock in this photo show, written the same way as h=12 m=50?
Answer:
h=1 m=9
